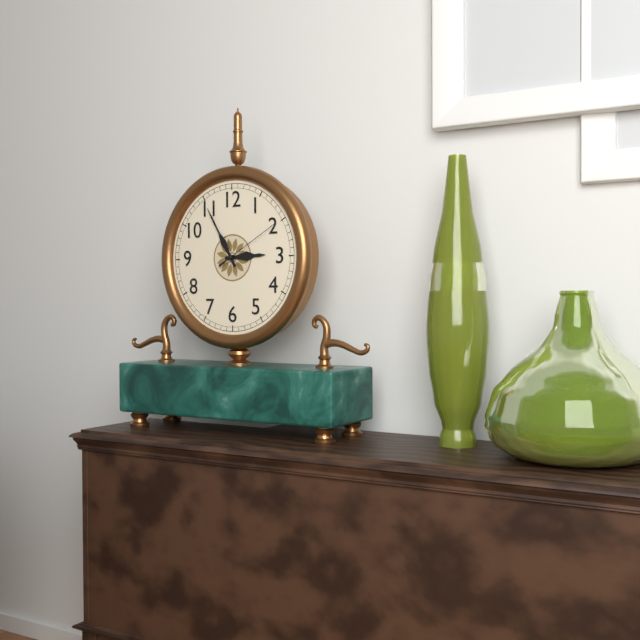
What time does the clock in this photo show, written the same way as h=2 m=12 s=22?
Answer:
h=2 m=55 s=10
